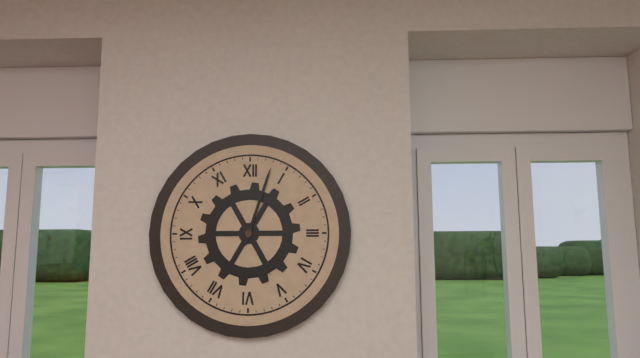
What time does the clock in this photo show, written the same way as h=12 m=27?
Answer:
h=5 m=3
